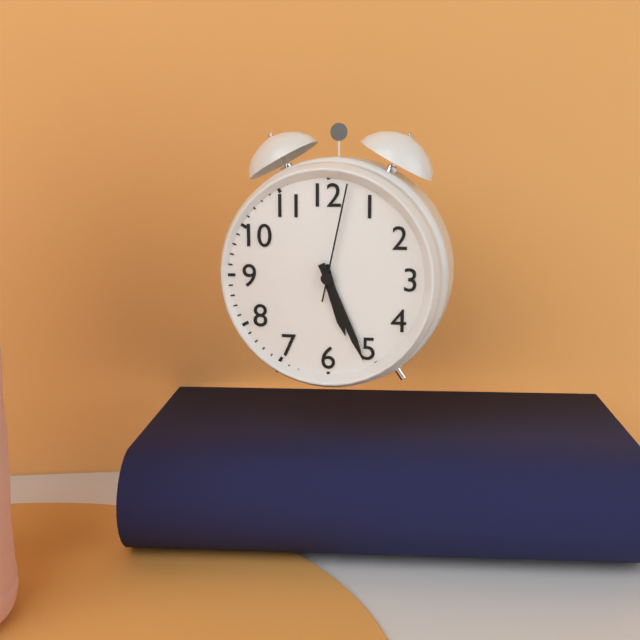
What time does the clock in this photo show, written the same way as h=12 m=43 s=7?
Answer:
h=5 m=26 s=2
